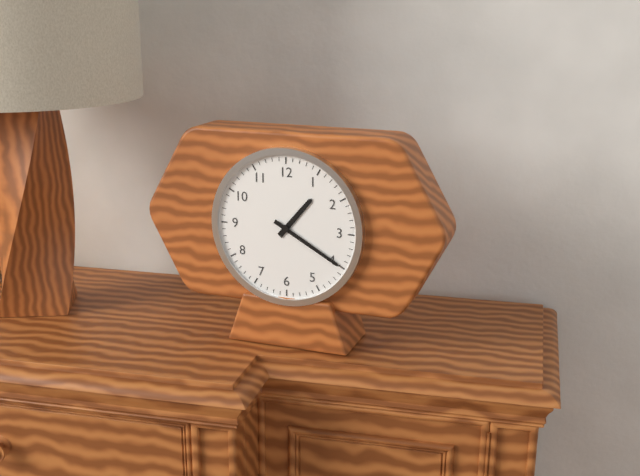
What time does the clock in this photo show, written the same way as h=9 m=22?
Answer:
h=1 m=20
